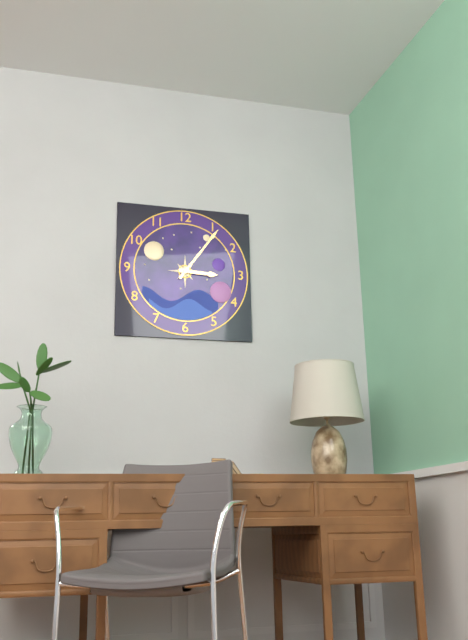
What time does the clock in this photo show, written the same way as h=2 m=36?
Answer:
h=3 m=6
